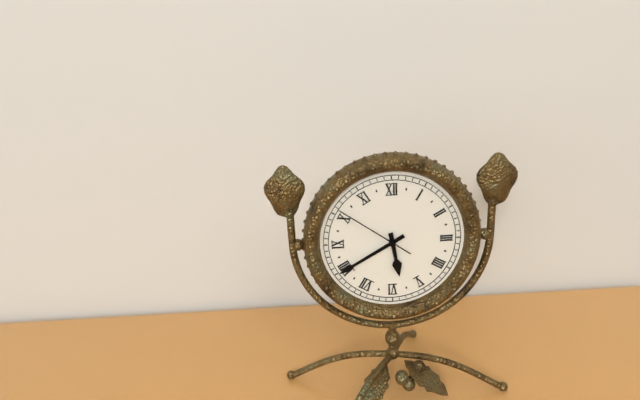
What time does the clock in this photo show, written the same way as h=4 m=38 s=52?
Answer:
h=5 m=40 s=51
